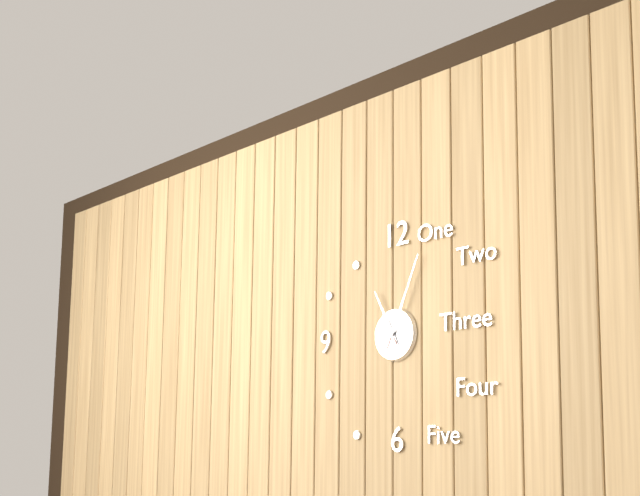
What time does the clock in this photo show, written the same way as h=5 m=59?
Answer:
h=11 m=4
